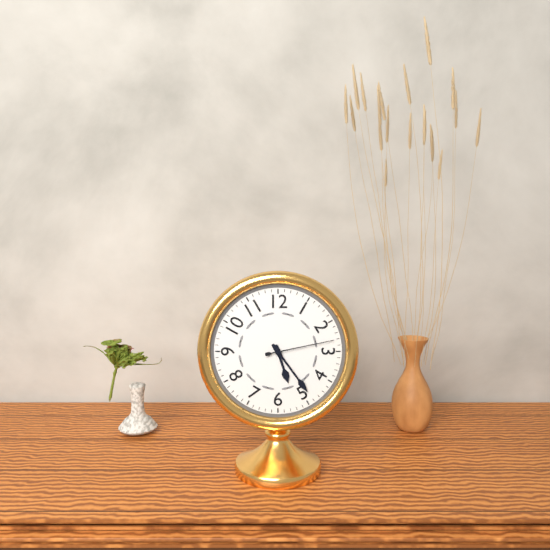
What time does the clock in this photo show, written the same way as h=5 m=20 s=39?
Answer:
h=5 m=24 s=13
